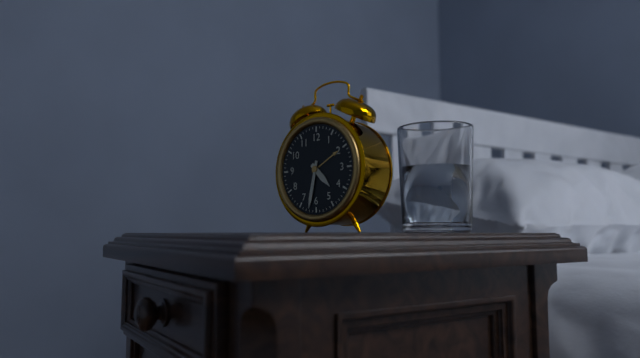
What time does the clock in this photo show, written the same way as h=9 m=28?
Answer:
h=4 m=32
